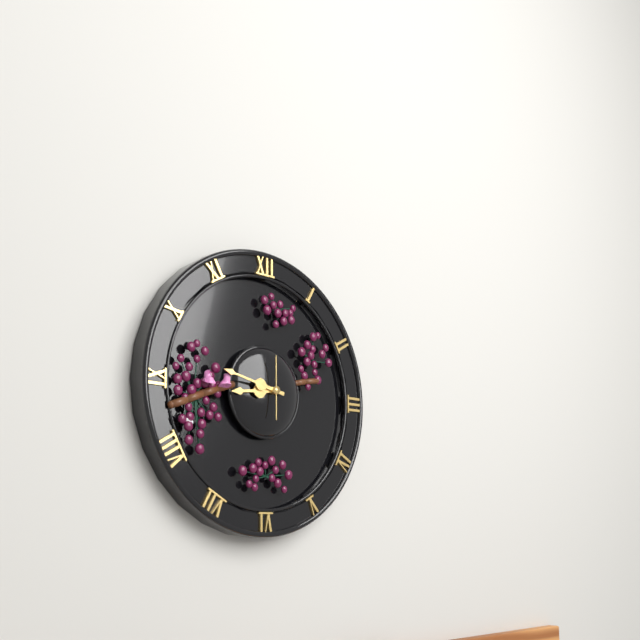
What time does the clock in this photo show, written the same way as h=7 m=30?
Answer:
h=8 m=47
